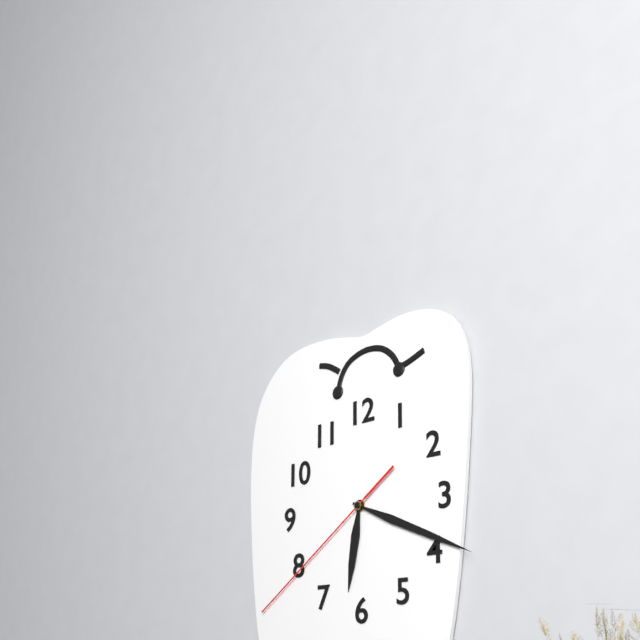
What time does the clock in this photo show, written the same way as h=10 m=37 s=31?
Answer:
h=6 m=19 s=39
